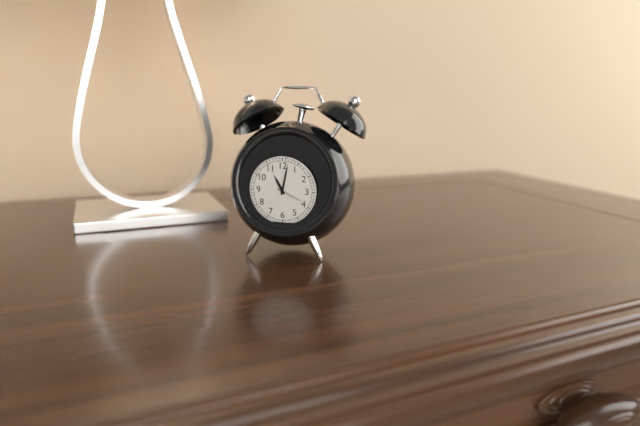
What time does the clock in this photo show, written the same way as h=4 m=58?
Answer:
h=11 m=2
